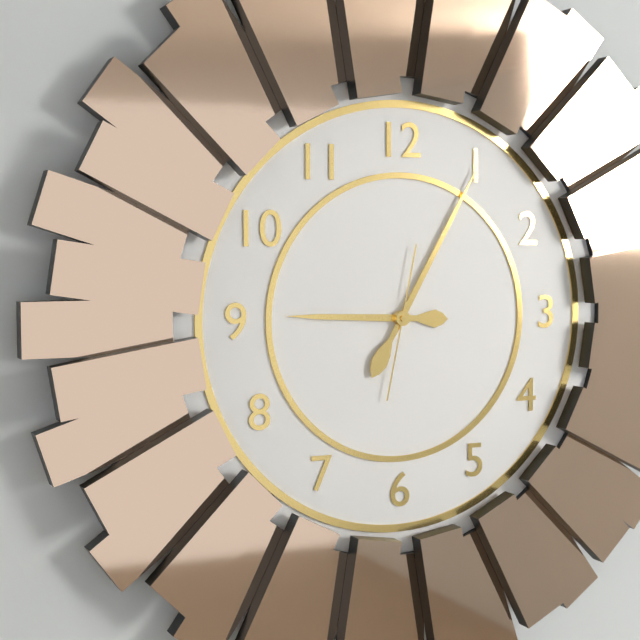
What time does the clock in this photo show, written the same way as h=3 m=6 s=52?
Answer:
h=9 m=5 s=32
